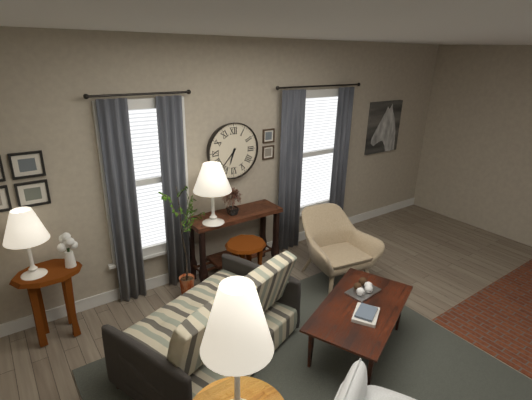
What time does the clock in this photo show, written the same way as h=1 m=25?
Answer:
h=6 m=37
